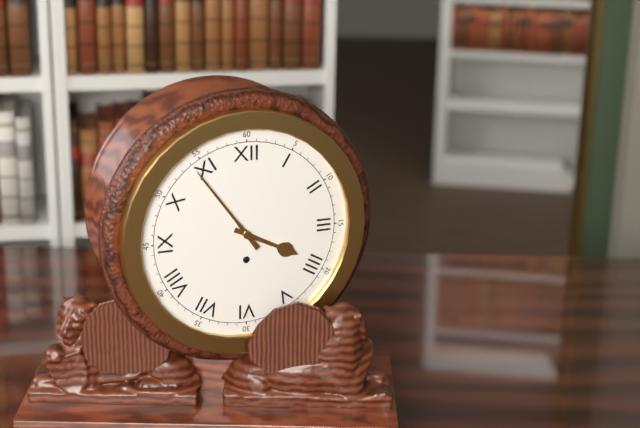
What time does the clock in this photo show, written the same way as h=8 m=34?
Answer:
h=3 m=54
